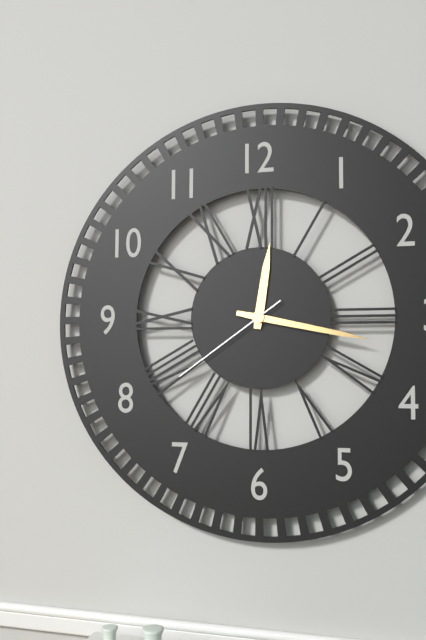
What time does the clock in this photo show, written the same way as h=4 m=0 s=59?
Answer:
h=12 m=17 s=39
